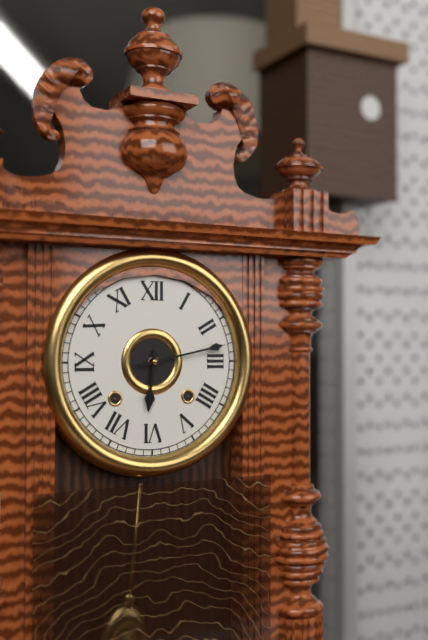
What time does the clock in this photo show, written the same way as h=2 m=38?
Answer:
h=6 m=13
